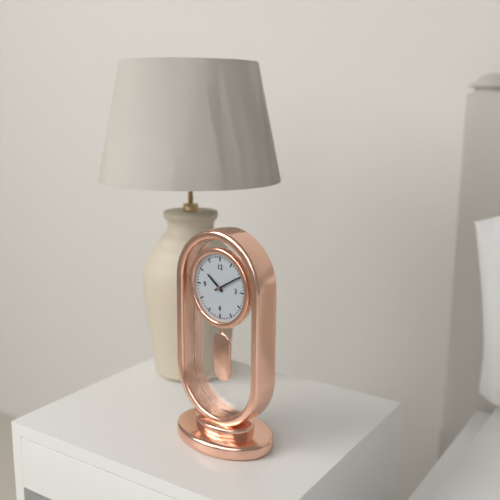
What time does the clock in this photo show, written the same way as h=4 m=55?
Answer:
h=10 m=10
